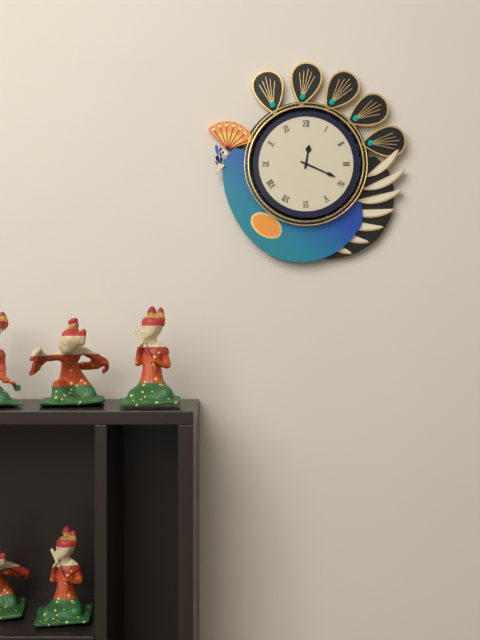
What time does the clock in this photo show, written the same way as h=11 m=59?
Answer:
h=12 m=19
